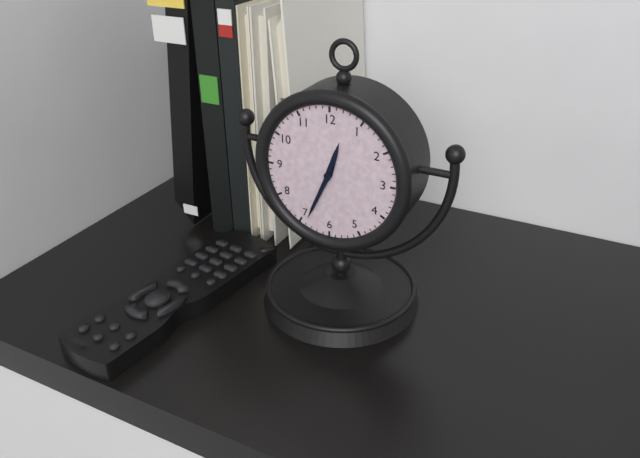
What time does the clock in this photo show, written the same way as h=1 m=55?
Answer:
h=12 m=34
